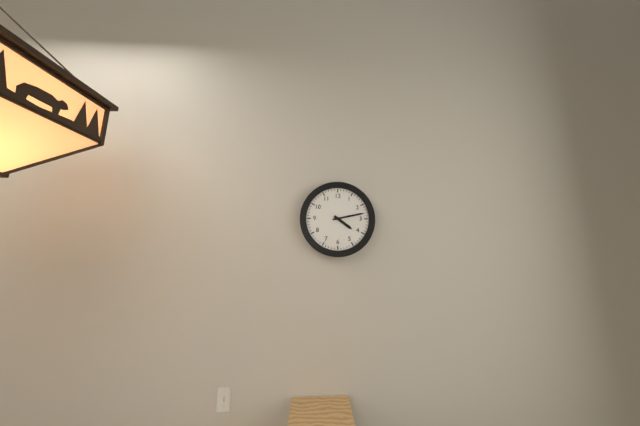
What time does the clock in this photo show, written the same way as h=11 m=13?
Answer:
h=4 m=13
